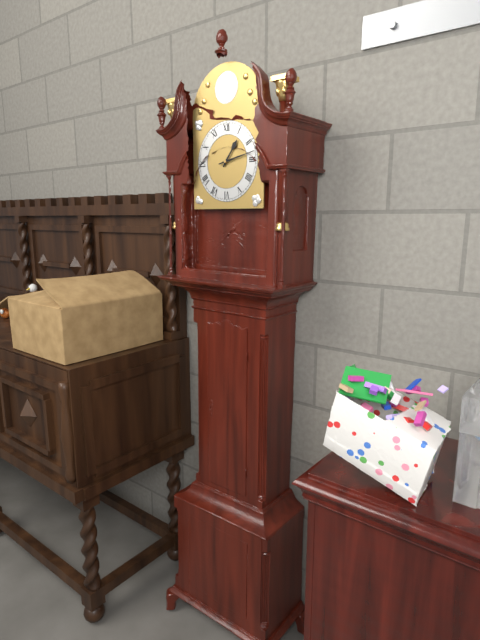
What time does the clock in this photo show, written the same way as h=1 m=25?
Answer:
h=1 m=13
